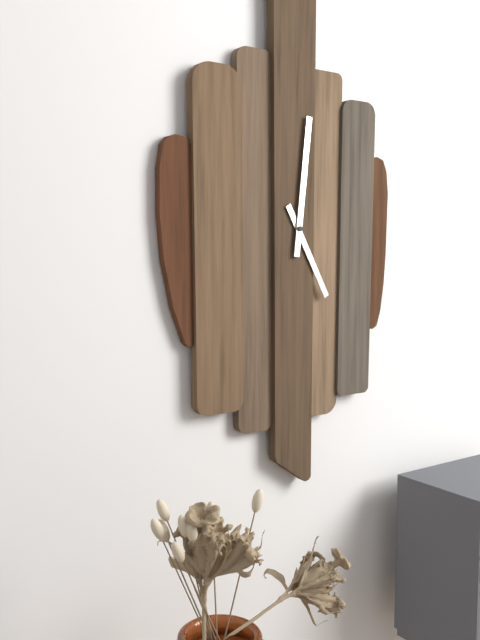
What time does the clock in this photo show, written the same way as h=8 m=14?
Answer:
h=5 m=1
